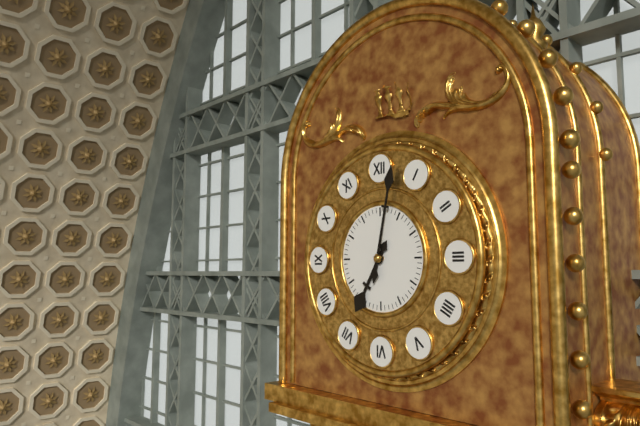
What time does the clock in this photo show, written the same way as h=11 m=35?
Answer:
h=7 m=2
